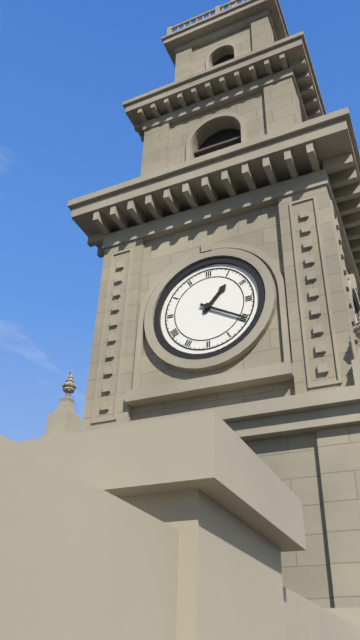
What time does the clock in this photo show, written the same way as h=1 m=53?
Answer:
h=1 m=20
